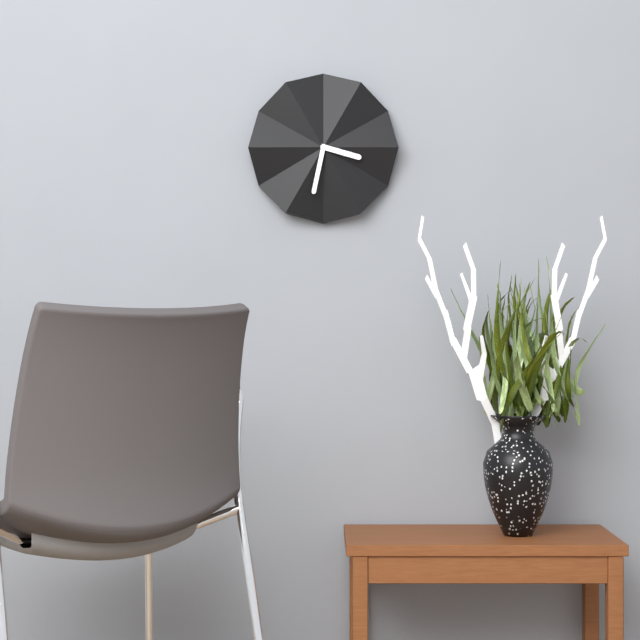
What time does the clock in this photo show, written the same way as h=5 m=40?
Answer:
h=3 m=32
